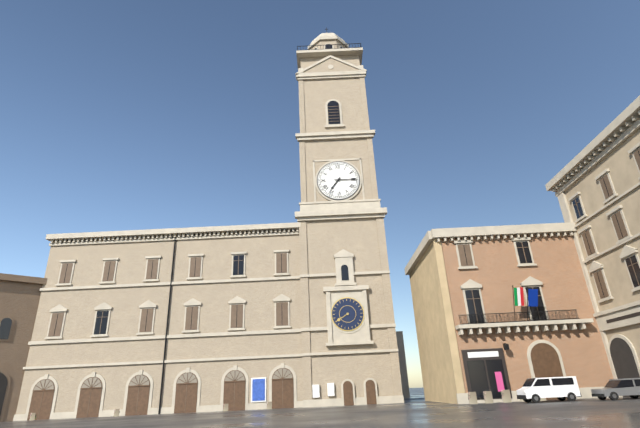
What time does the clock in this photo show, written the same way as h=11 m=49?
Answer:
h=7 m=15
